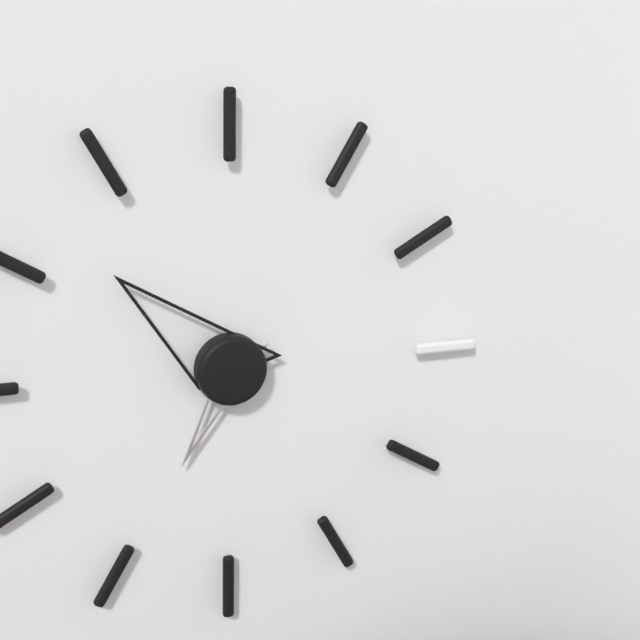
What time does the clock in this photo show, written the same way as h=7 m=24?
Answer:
h=6 m=52
